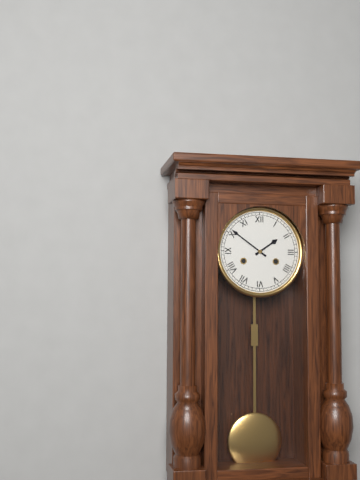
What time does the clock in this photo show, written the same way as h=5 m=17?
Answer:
h=1 m=51
